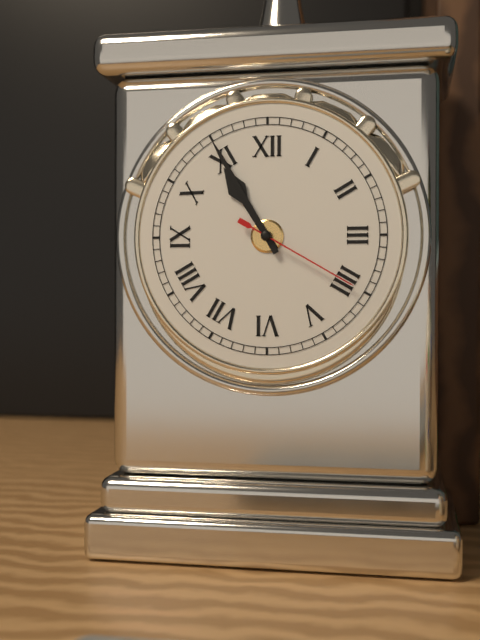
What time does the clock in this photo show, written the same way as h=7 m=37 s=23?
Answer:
h=10 m=55 s=20
